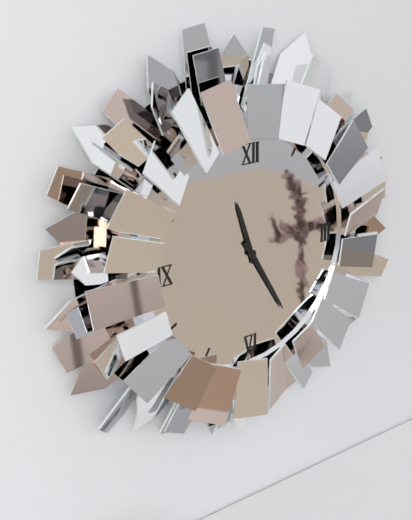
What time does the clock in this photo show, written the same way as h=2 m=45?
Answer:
h=11 m=25
